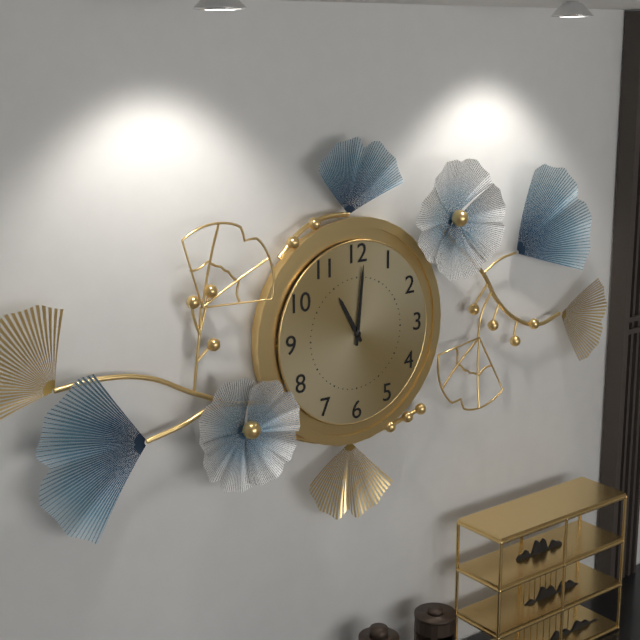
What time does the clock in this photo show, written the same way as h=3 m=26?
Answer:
h=11 m=1
